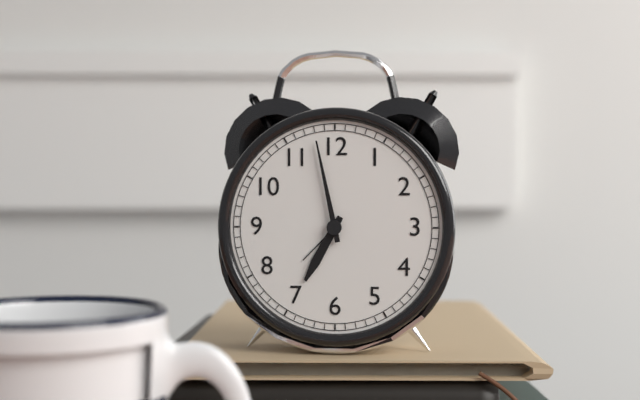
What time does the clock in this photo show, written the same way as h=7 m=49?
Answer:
h=6 m=58
